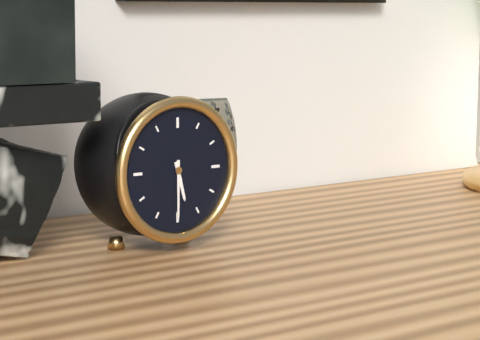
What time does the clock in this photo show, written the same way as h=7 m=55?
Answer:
h=5 m=30
